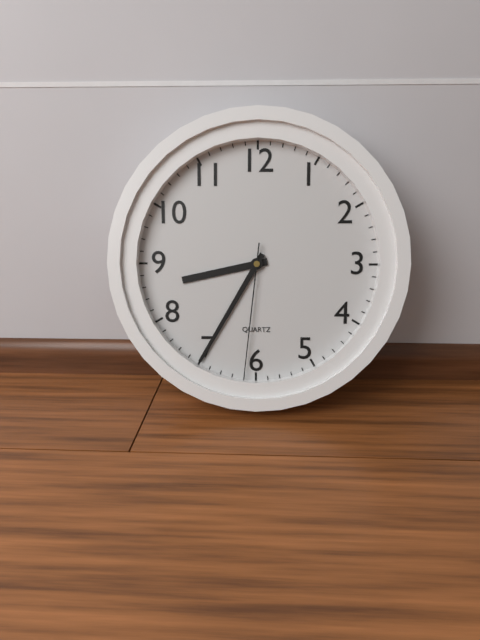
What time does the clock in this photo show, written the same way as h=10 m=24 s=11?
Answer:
h=8 m=35 s=31
